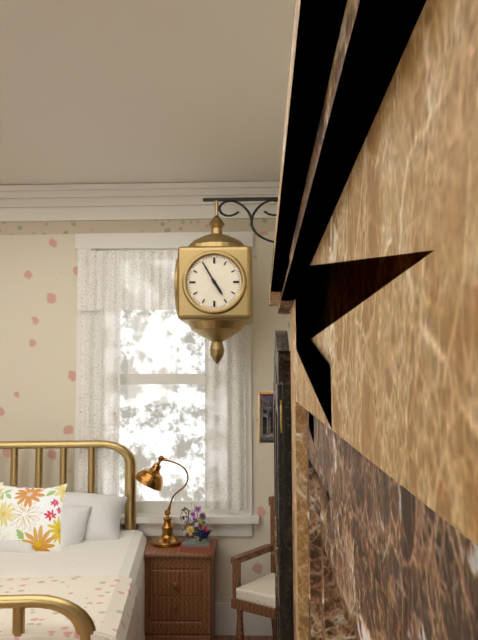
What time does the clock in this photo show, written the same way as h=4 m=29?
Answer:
h=4 m=55
